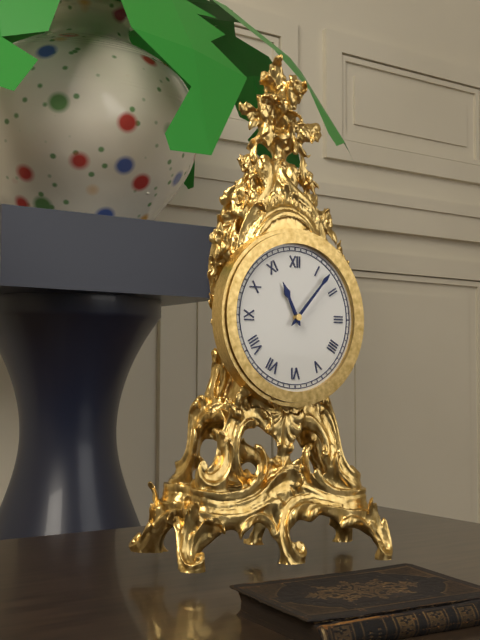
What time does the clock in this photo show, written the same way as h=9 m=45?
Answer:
h=11 m=7
